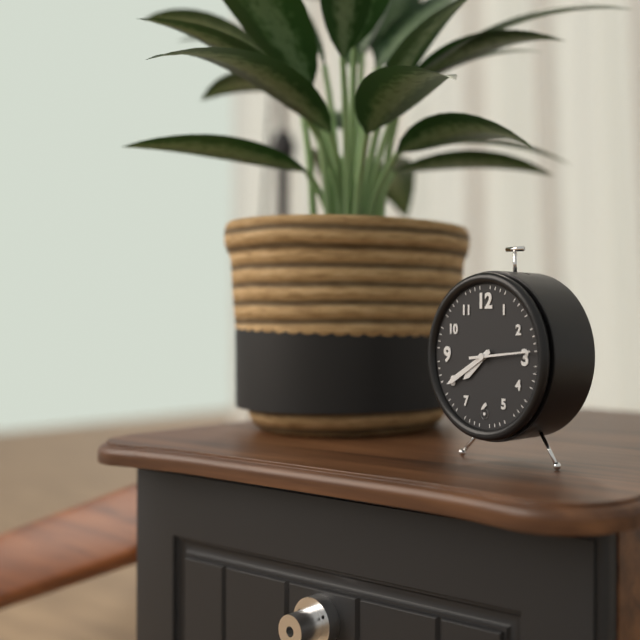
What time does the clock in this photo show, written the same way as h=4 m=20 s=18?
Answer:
h=7 m=40 s=14
